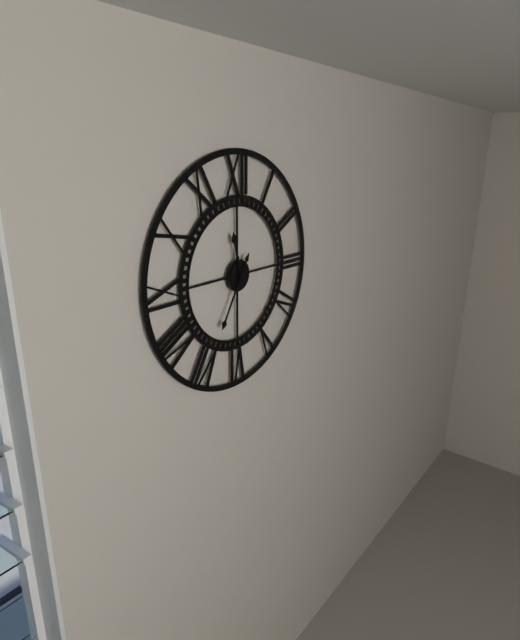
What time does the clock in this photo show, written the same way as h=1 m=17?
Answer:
h=11 m=35
